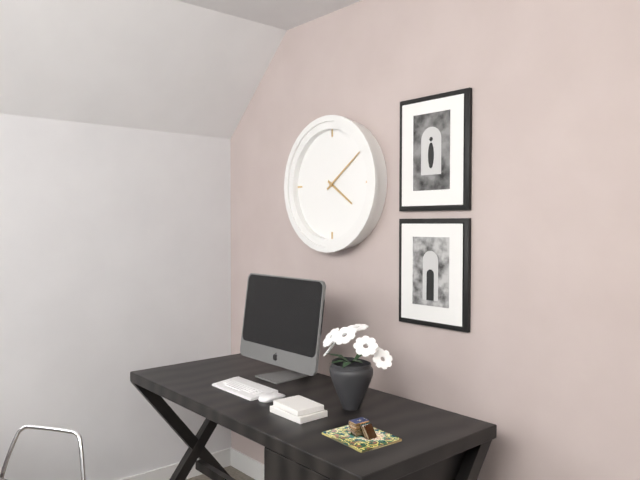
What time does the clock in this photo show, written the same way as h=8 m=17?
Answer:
h=4 m=9
